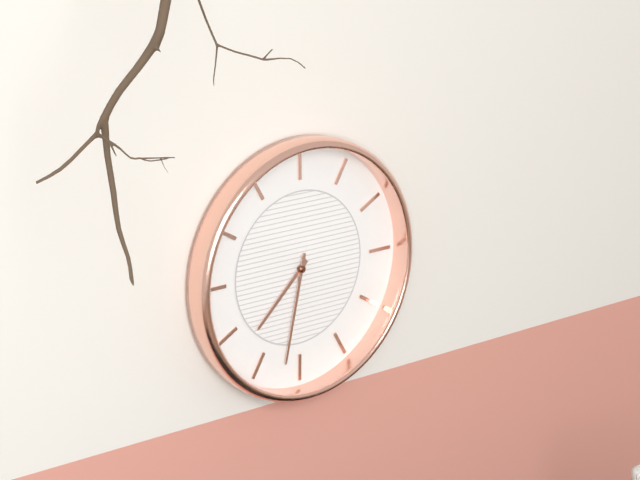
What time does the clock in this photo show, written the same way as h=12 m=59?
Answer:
h=7 m=32
